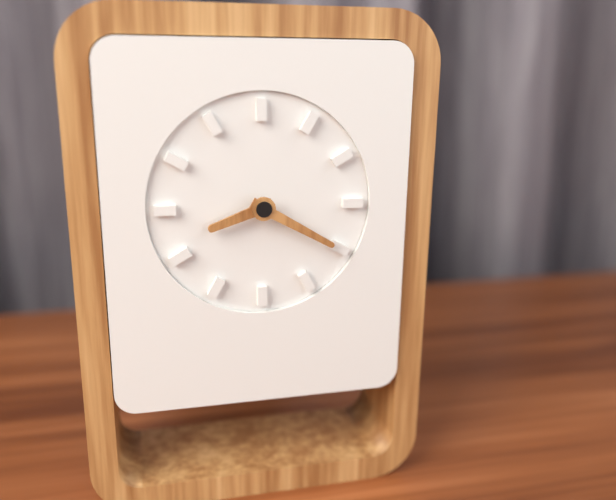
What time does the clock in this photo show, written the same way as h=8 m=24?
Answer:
h=8 m=20
